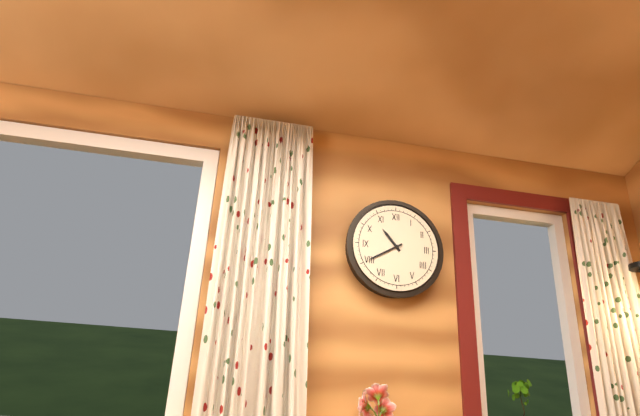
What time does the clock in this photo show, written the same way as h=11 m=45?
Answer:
h=10 m=40
